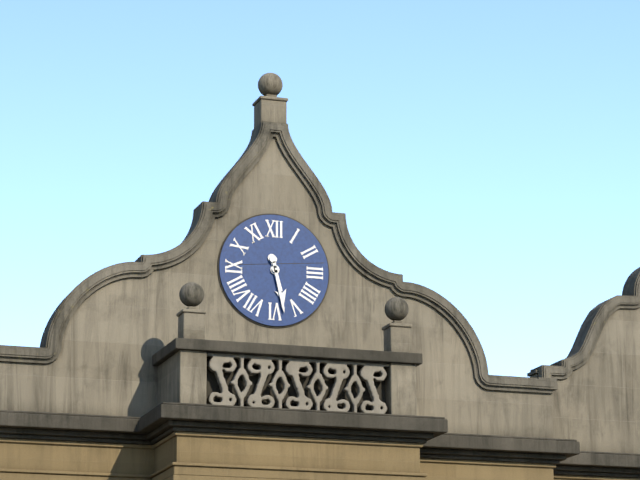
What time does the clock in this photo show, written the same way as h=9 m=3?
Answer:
h=5 m=28
